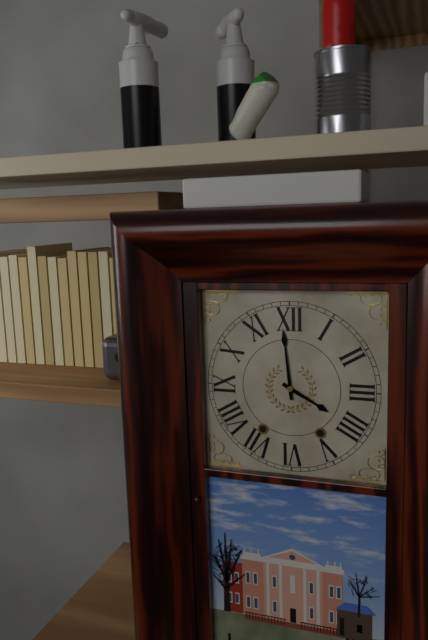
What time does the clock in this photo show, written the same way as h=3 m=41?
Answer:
h=3 m=59
